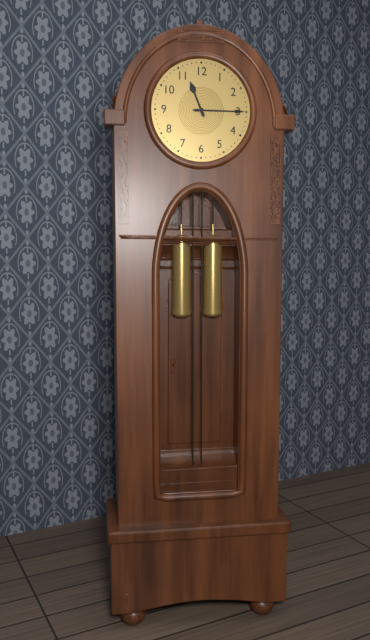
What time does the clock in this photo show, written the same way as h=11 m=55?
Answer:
h=11 m=15
